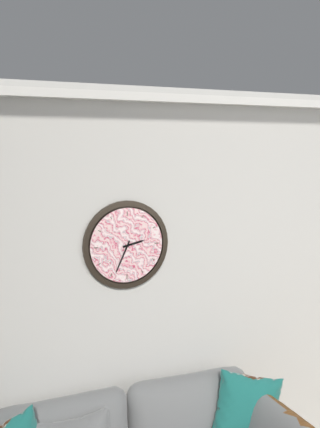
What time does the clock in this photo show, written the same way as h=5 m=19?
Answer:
h=2 m=34
